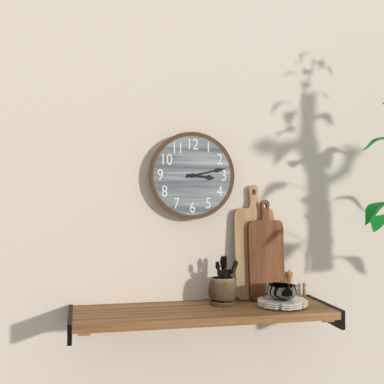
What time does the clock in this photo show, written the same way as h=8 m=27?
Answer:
h=3 m=13
